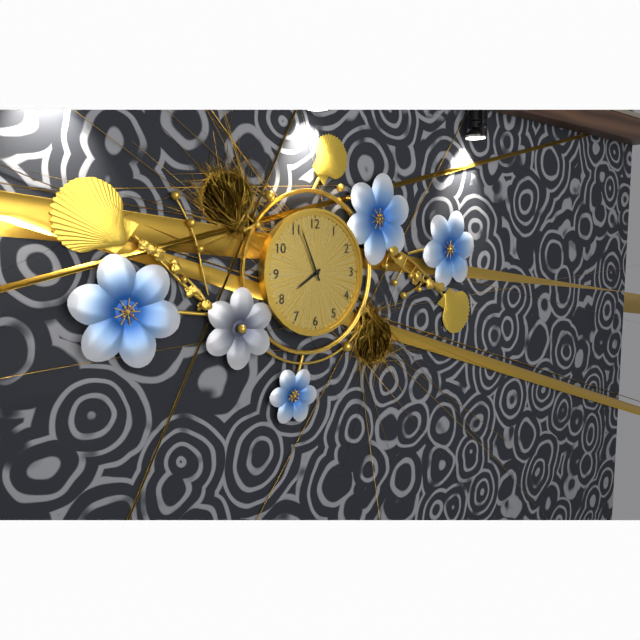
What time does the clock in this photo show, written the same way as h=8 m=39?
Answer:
h=7 m=56
